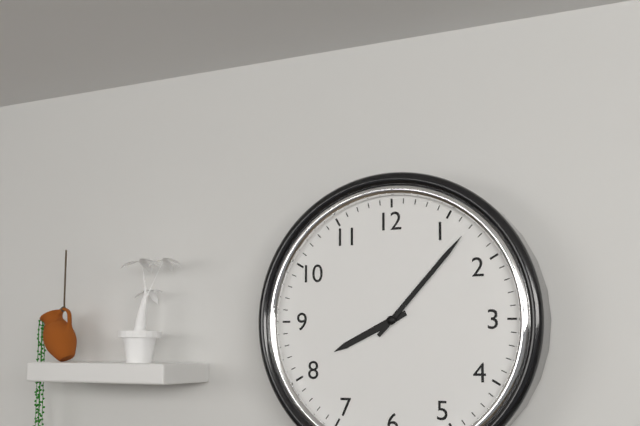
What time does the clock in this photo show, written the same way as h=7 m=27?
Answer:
h=8 m=7
